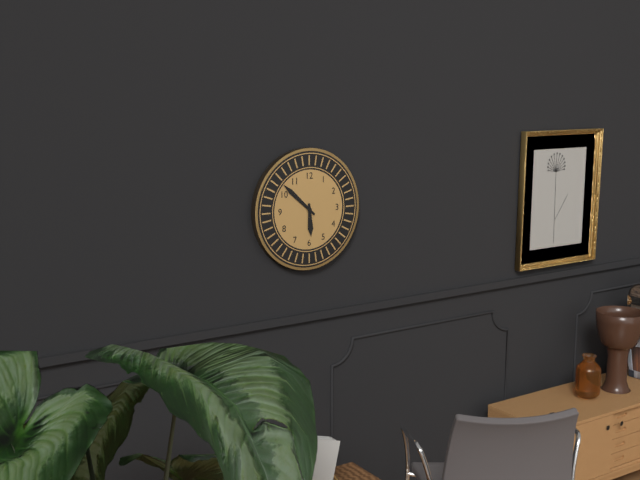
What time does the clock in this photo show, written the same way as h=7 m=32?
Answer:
h=5 m=52
